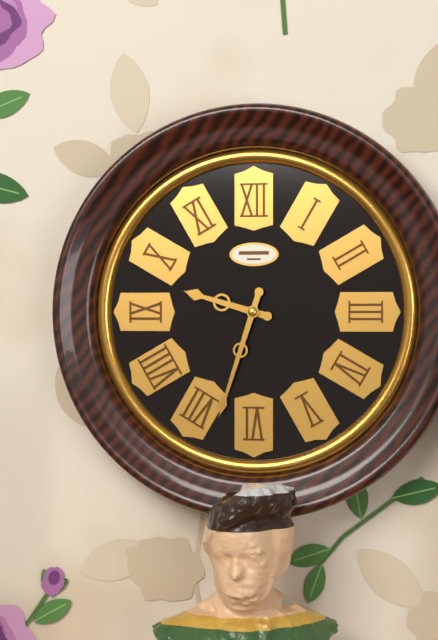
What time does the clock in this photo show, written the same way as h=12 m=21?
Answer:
h=9 m=33
